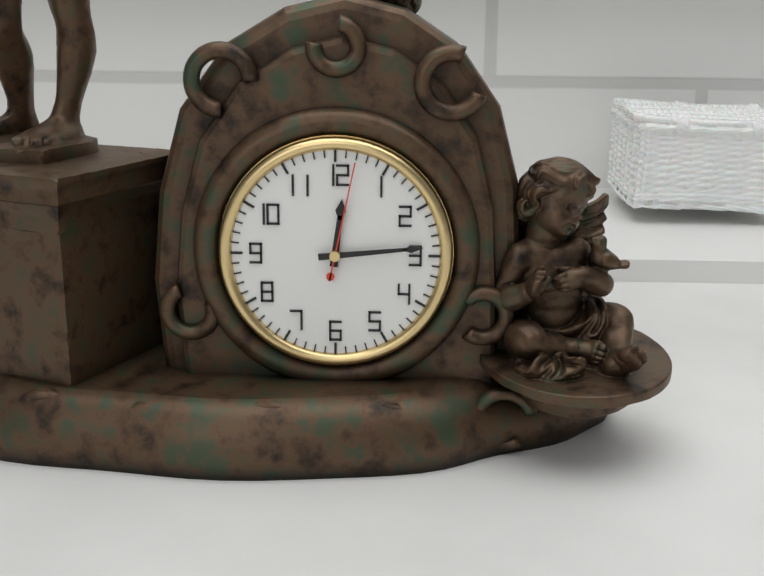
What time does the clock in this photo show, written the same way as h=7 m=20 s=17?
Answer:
h=12 m=14 s=2
